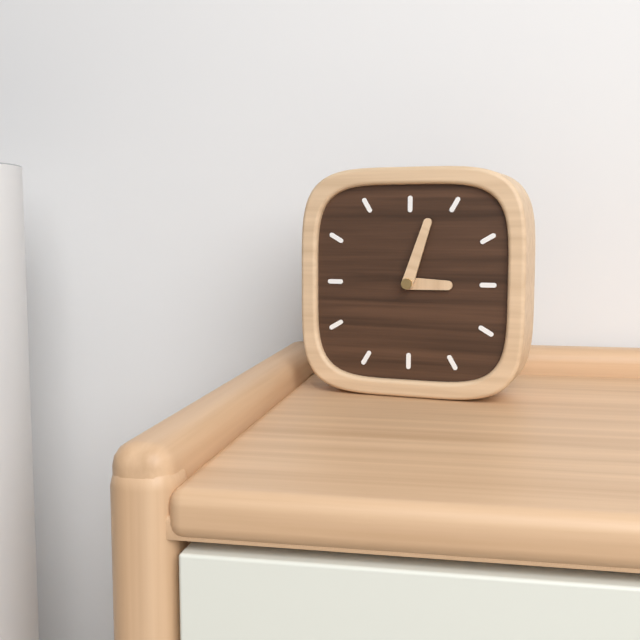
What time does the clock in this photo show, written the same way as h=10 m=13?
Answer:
h=3 m=3
